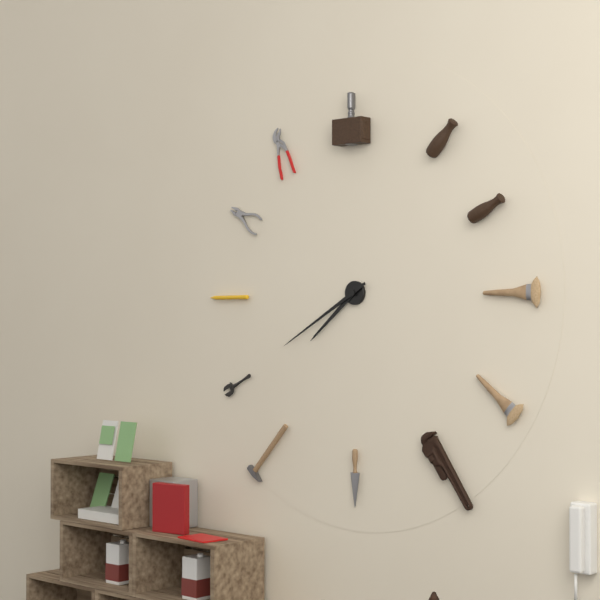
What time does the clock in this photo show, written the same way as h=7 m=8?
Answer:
h=7 m=40
